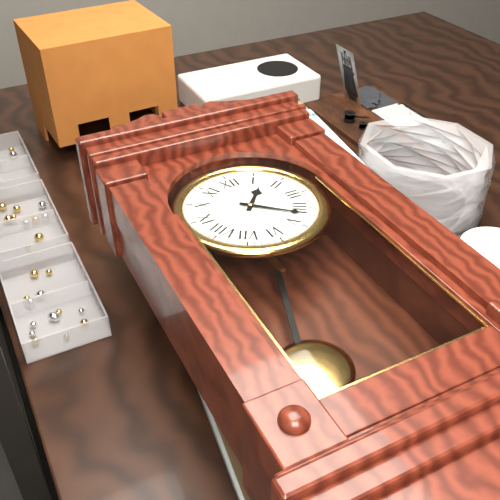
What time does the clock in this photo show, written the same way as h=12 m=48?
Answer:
h=1 m=22
